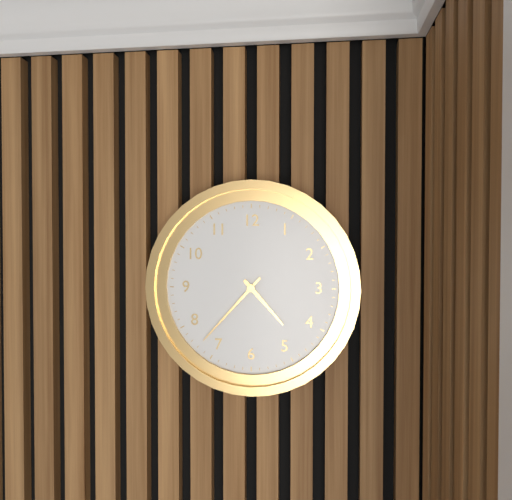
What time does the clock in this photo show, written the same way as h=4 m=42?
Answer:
h=4 m=37
